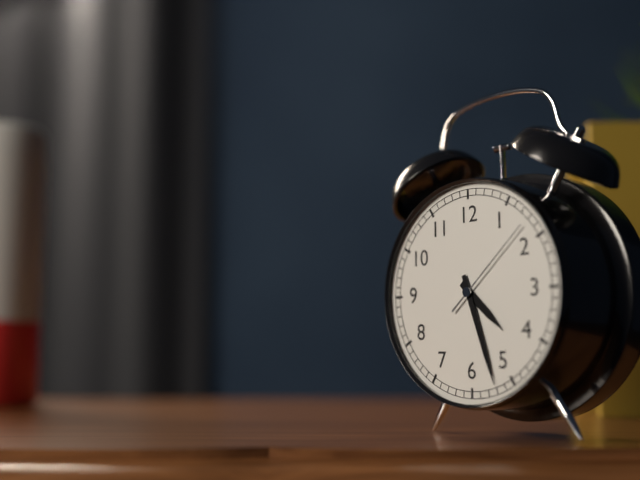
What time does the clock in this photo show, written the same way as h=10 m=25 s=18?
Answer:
h=4 m=27 s=8
